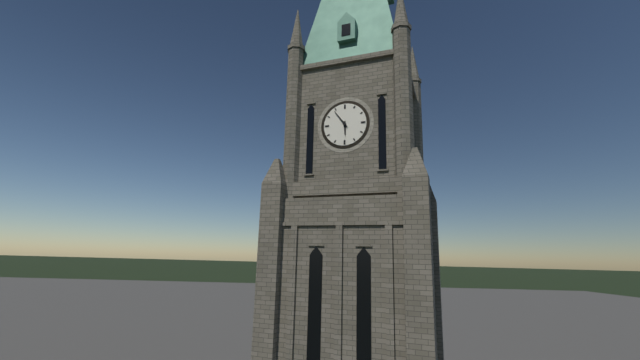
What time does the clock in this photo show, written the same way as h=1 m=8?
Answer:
h=5 m=54
